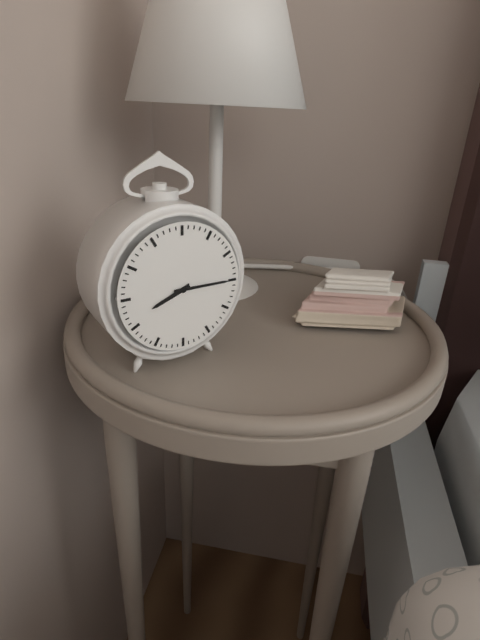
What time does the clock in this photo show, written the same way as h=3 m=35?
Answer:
h=8 m=15
